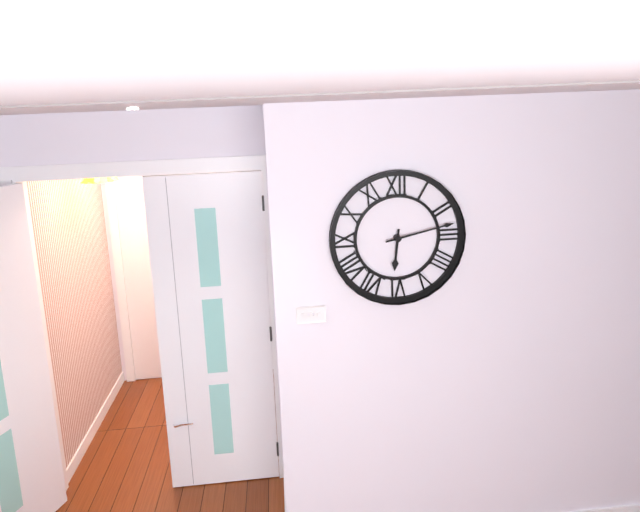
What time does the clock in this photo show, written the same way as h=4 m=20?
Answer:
h=6 m=13
